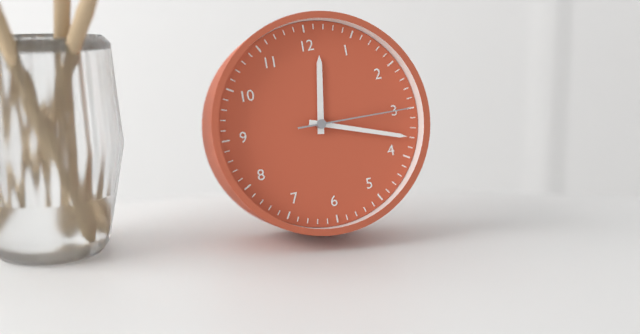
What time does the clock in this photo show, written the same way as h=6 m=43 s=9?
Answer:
h=12 m=18 s=15
